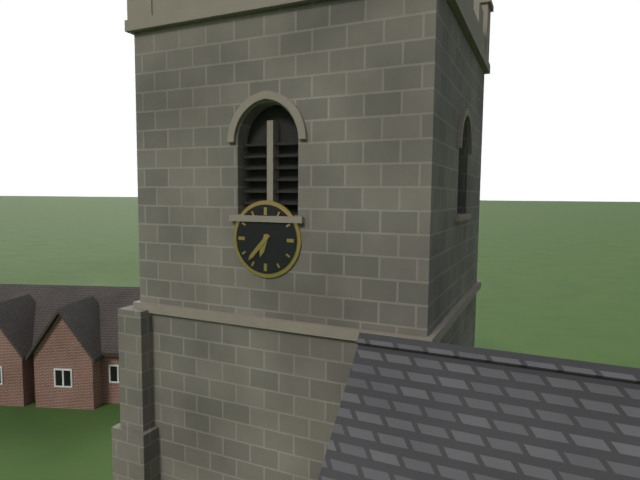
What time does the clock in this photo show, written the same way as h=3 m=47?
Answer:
h=6 m=37
